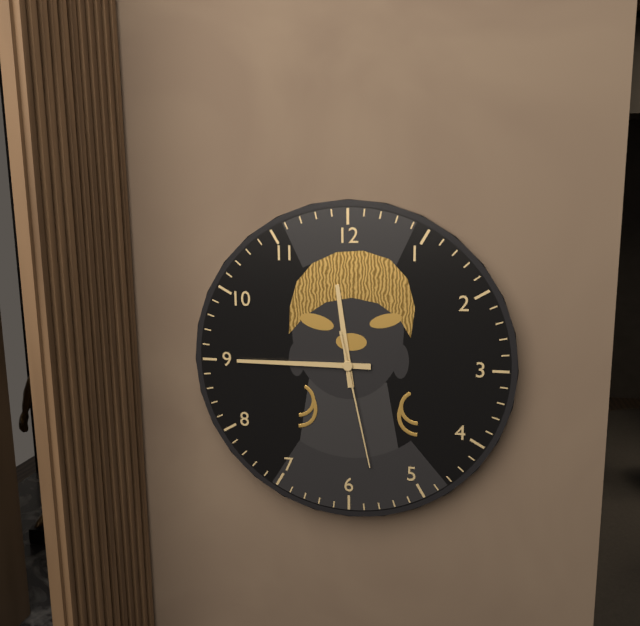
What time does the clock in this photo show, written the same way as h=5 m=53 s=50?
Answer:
h=11 m=45 s=28
